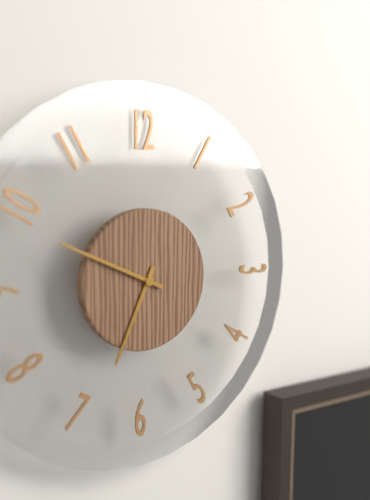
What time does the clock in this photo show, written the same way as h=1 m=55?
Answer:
h=6 m=49
